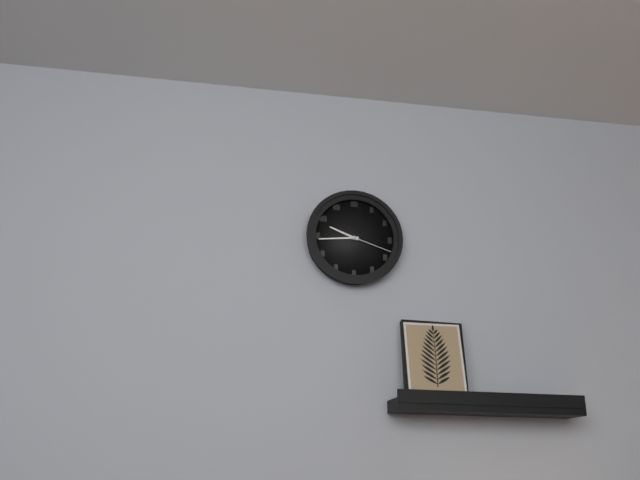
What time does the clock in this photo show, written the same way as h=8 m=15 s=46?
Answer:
h=9 m=44 s=18
